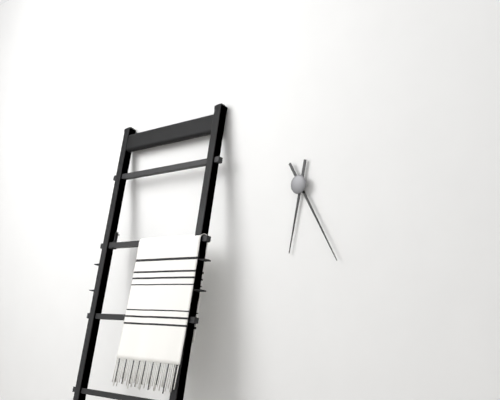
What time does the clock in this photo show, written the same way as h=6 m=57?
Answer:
h=6 m=25
